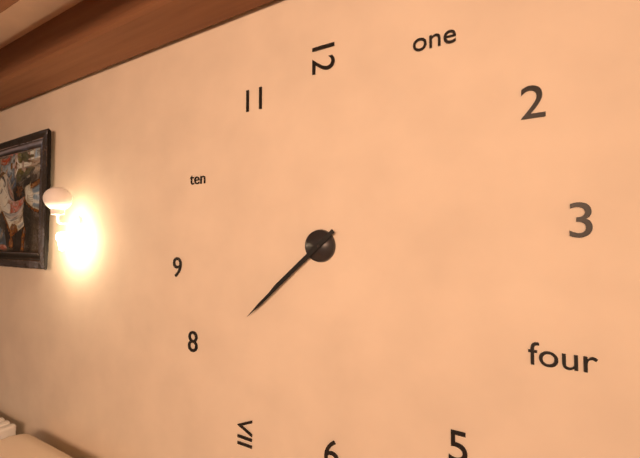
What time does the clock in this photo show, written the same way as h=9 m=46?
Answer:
h=7 m=38
